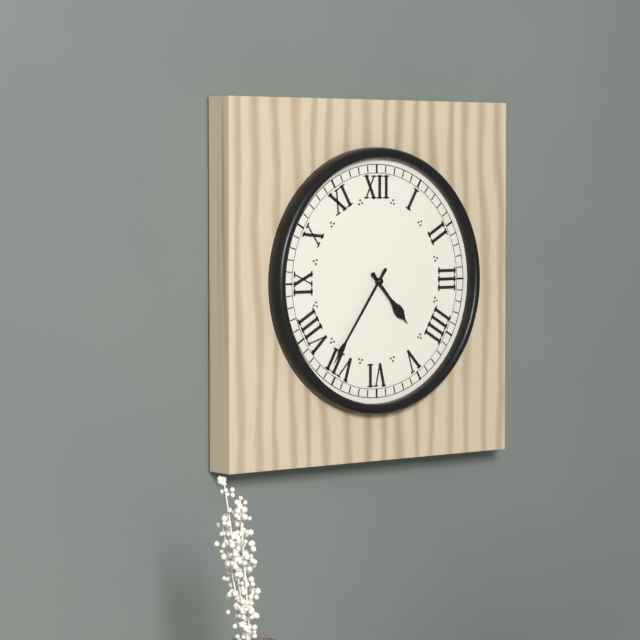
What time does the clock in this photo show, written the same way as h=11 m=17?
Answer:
h=4 m=36
